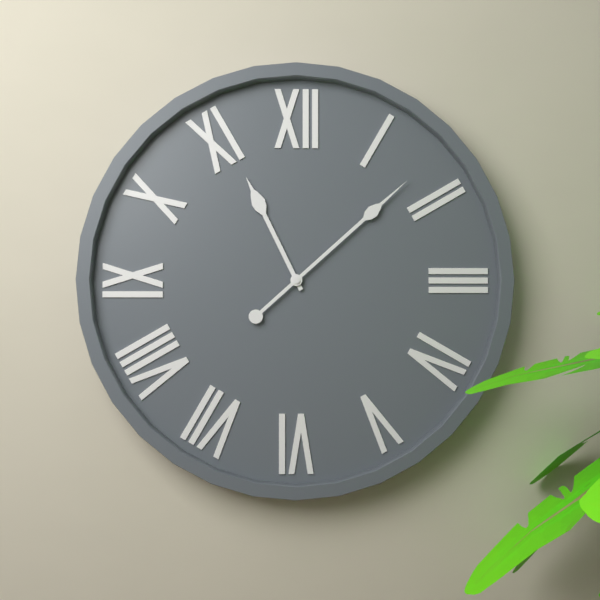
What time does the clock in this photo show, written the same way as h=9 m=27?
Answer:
h=11 m=8
